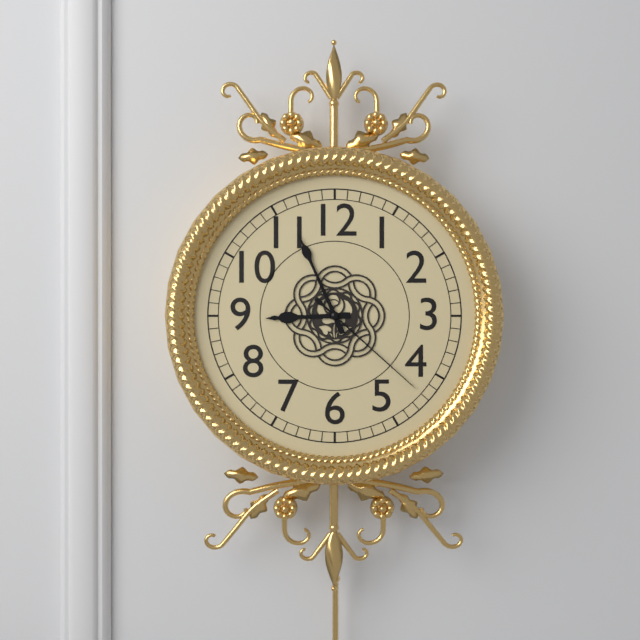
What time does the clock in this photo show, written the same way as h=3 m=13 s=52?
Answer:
h=8 m=56 s=22
